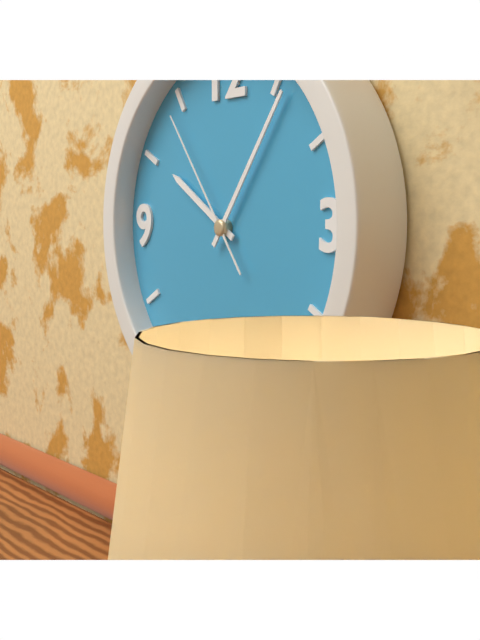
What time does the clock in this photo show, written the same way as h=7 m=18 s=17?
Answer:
h=10 m=6 s=54
